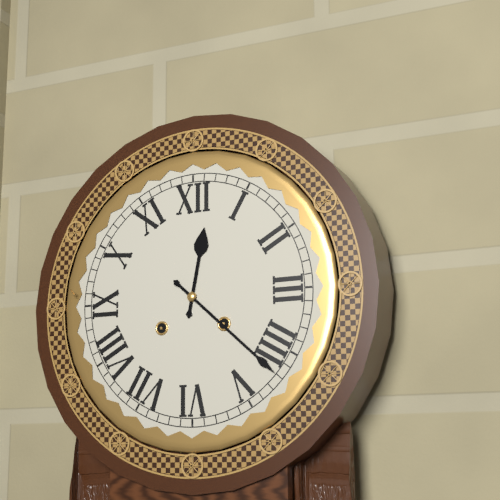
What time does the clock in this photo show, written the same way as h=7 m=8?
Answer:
h=12 m=22
